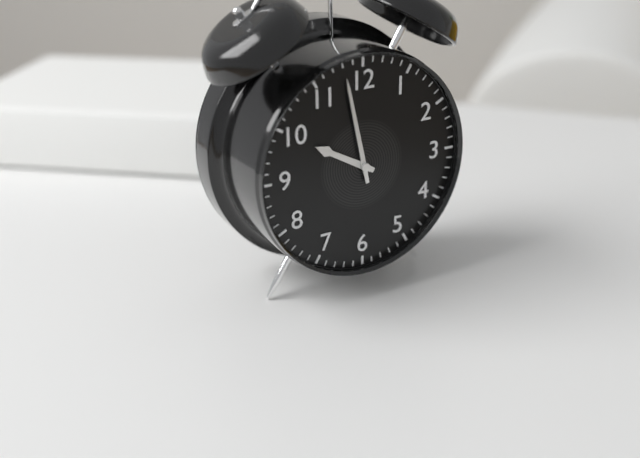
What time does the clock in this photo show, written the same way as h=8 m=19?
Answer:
h=9 m=58
